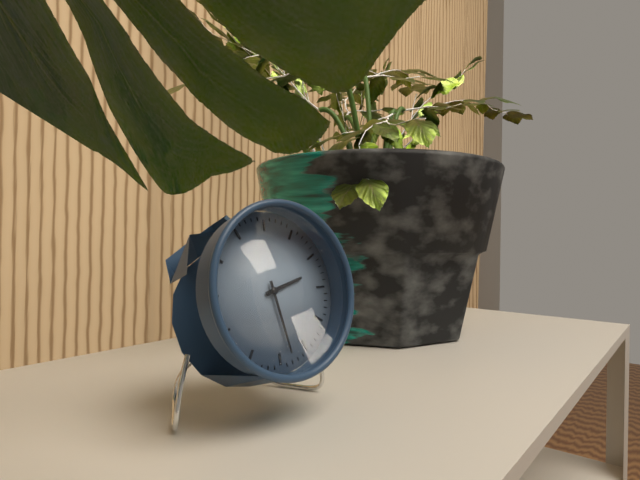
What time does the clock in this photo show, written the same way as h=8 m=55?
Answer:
h=2 m=28
